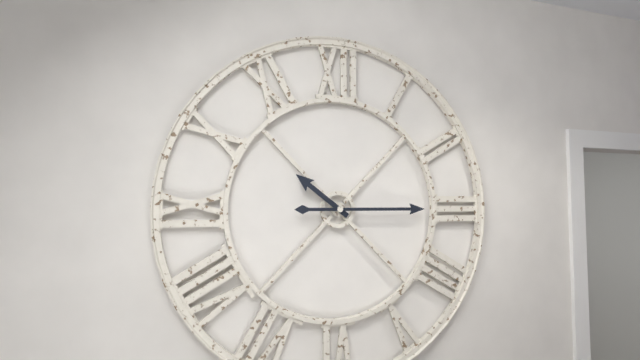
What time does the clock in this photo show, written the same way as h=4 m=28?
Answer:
h=10 m=15
